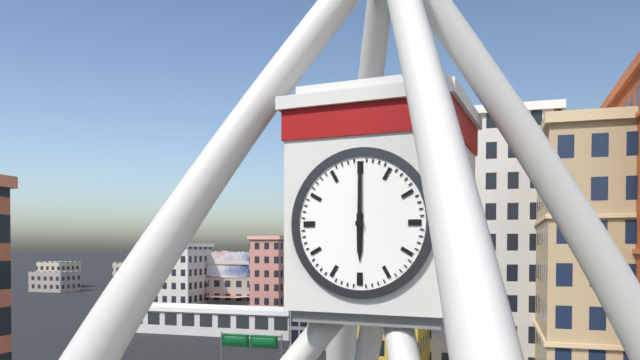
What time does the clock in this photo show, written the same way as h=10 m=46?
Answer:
h=6 m=0
